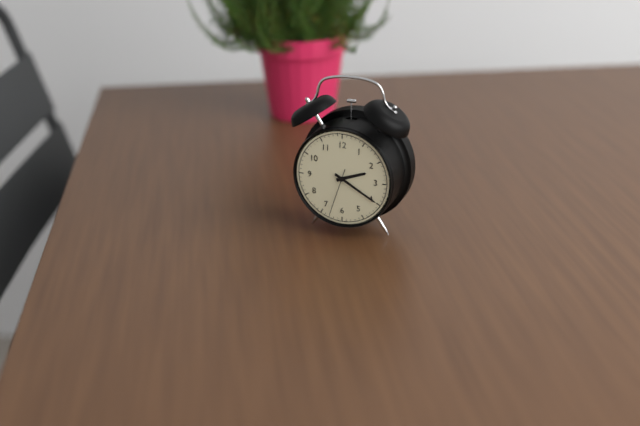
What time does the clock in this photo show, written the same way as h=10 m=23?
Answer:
h=2 m=20
